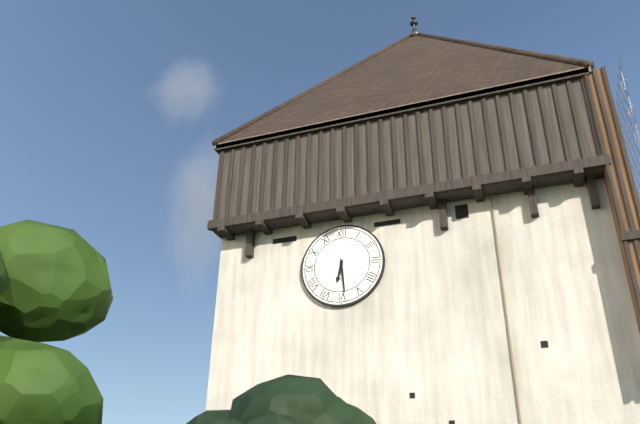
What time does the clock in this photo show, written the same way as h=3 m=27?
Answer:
h=6 m=29
